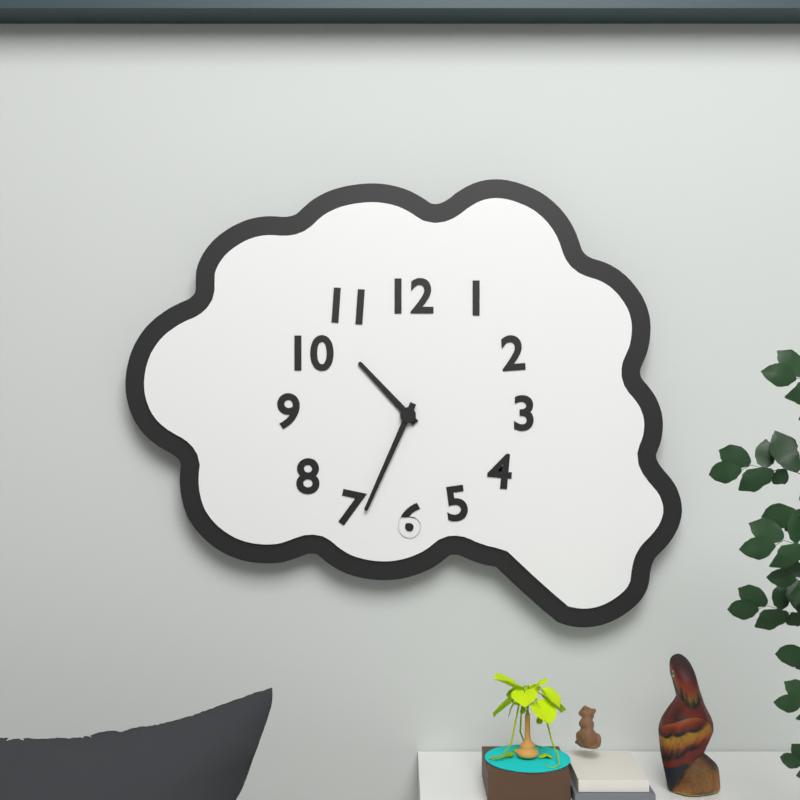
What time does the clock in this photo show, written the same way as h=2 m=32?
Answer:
h=10 m=34
